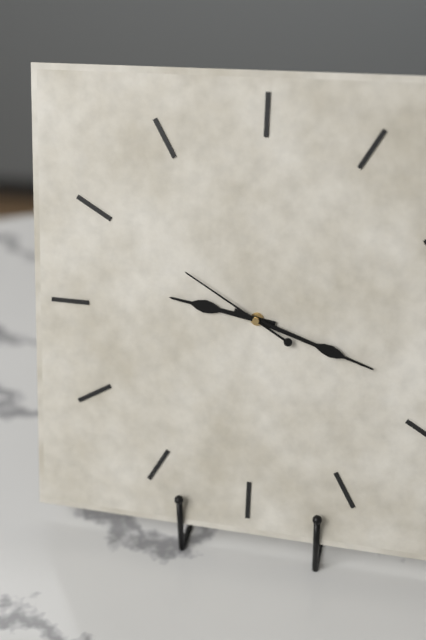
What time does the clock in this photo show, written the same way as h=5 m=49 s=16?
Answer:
h=9 m=18 s=50
